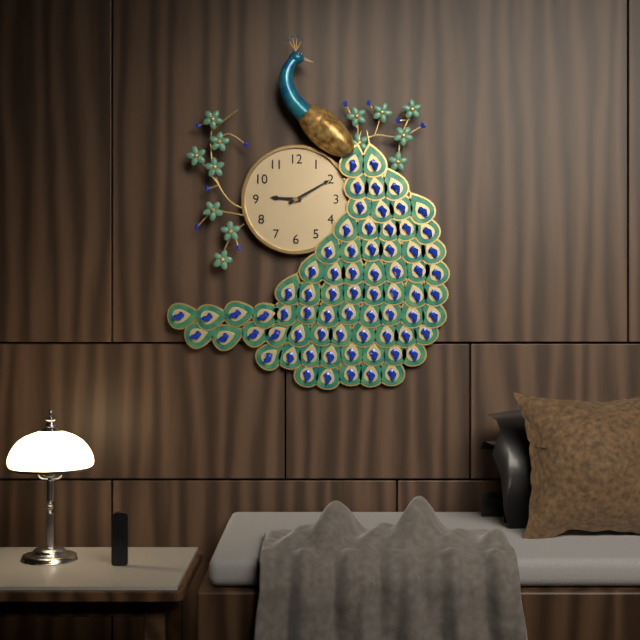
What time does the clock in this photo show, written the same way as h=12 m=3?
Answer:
h=9 m=10
